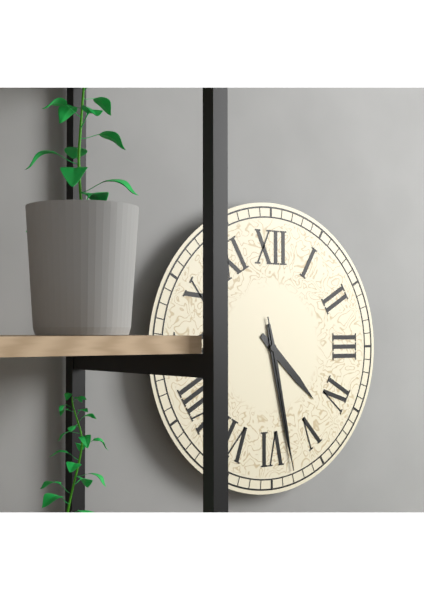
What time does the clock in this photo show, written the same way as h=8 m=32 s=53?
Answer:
h=4 m=28 s=28
